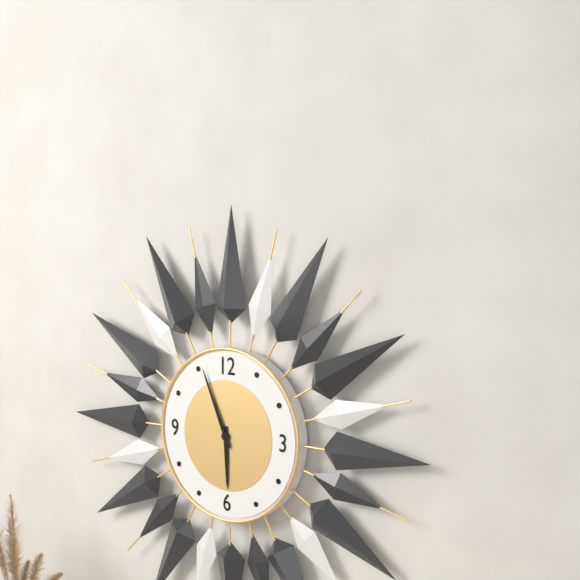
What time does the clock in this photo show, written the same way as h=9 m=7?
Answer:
h=5 m=56
